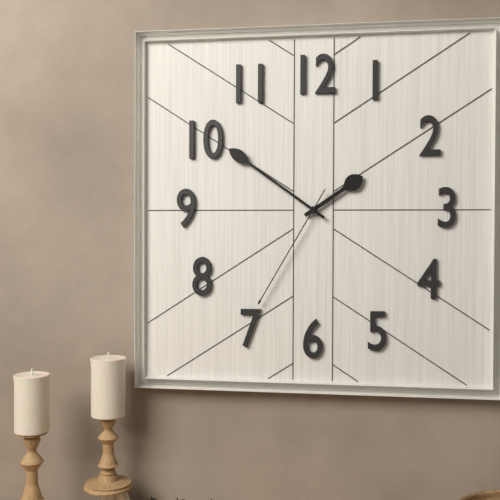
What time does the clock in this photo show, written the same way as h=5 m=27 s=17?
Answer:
h=1 m=51 s=35
